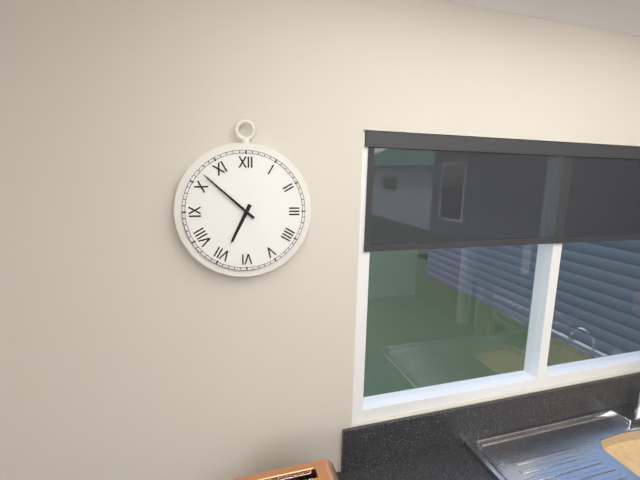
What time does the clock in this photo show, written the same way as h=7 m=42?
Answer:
h=6 m=52
